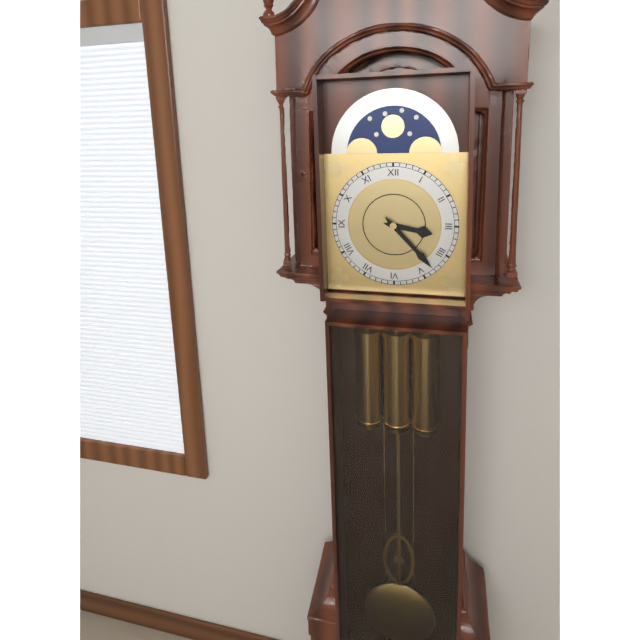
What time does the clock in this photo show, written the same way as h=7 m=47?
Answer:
h=3 m=23
